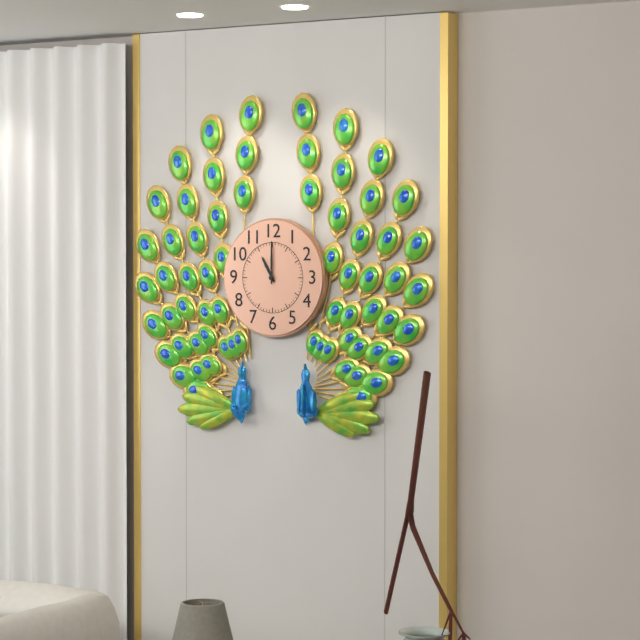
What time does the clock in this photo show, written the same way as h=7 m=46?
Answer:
h=11 m=0
